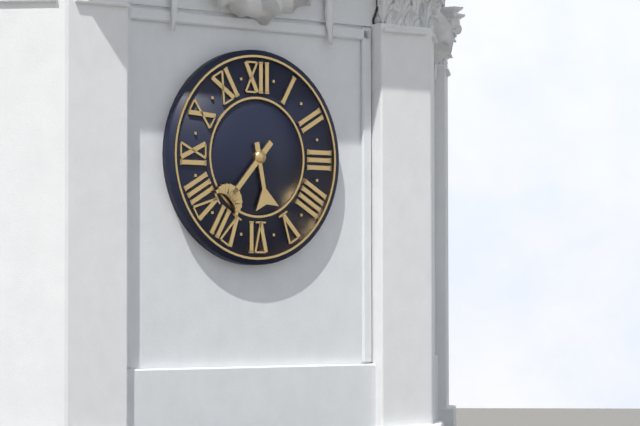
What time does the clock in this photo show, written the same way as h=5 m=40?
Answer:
h=5 m=37
